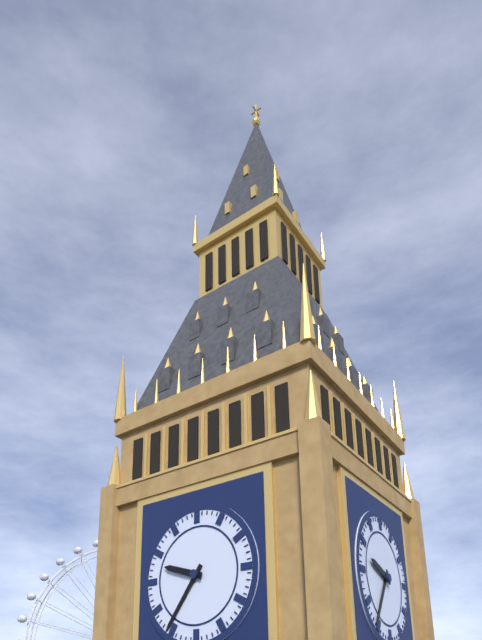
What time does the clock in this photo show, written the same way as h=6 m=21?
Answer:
h=9 m=36
